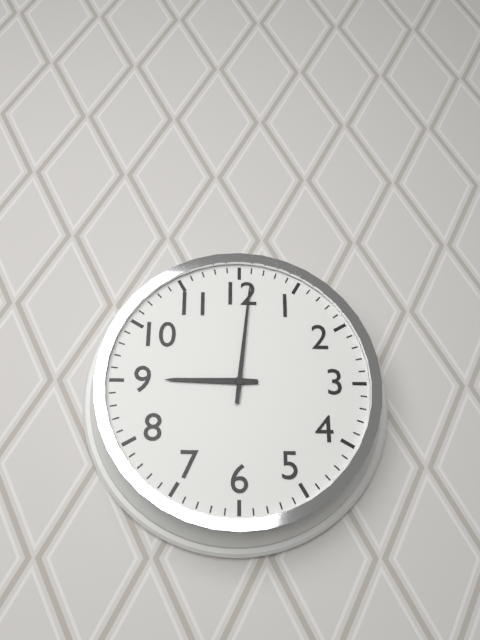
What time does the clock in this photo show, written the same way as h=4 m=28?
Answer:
h=9 m=1
